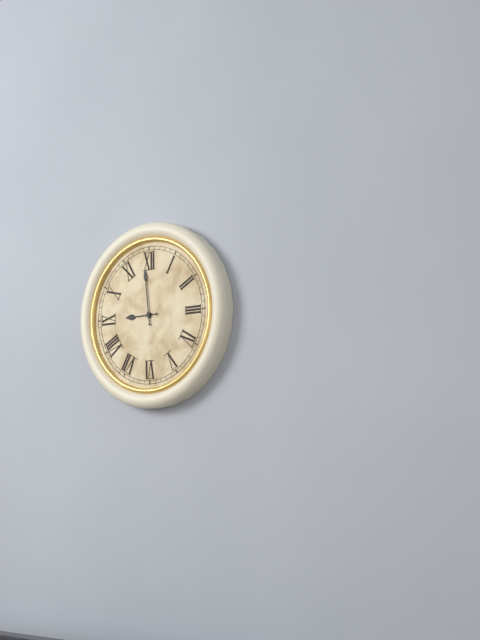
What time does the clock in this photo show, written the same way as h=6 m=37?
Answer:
h=8 m=59
